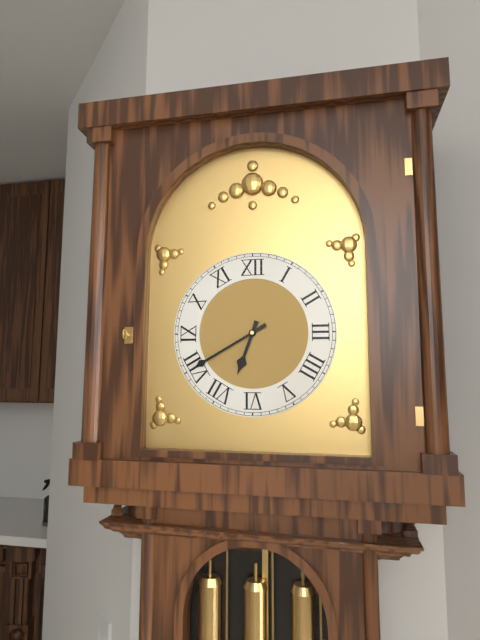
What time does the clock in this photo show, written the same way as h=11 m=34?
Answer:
h=6 m=40
